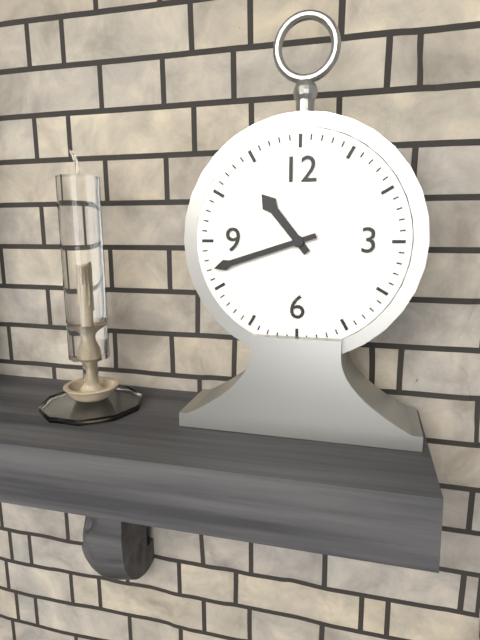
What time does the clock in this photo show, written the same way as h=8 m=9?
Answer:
h=10 m=42
